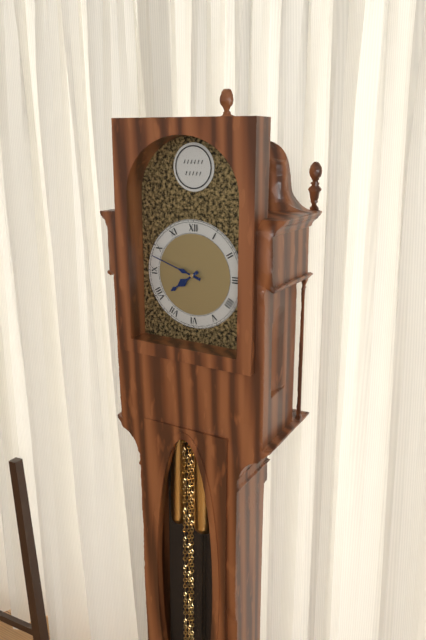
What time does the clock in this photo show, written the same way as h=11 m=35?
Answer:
h=7 m=48
